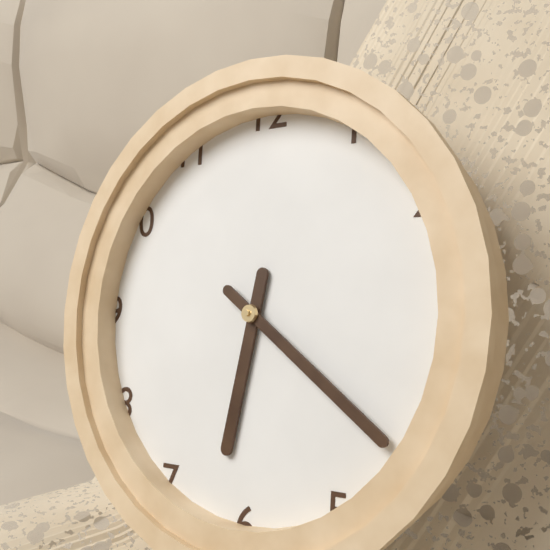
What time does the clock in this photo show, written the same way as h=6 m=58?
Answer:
h=6 m=21
